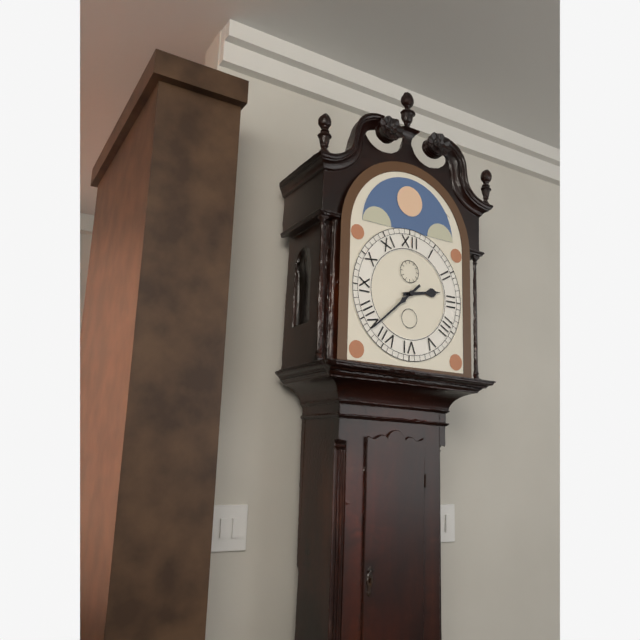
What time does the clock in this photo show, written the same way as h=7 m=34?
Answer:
h=2 m=38
